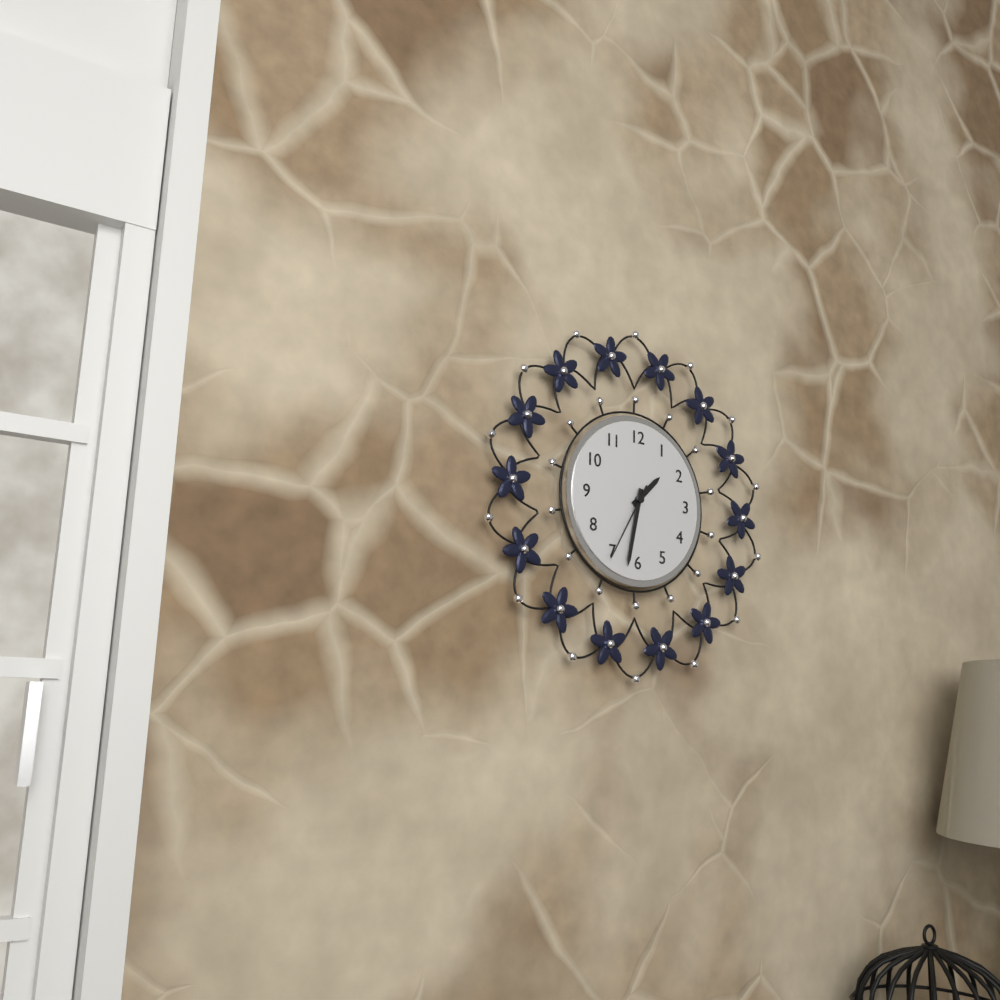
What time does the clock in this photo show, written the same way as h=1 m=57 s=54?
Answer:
h=1 m=32 s=35
